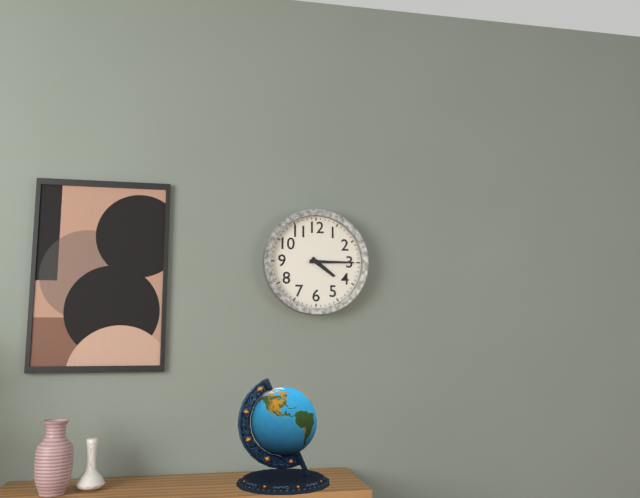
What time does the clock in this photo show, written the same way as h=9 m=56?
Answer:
h=4 m=15
